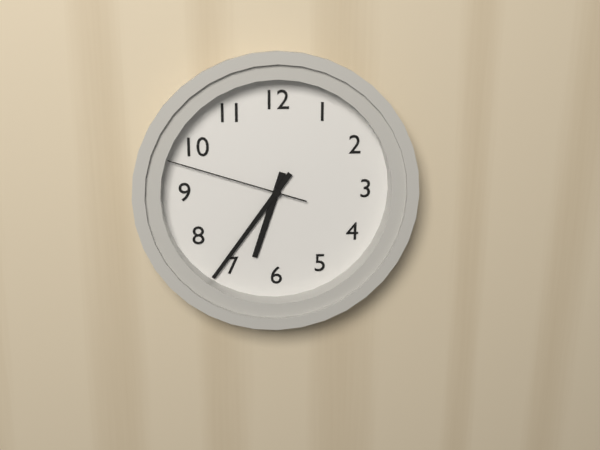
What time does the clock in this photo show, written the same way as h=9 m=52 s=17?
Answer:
h=6 m=36 s=48
